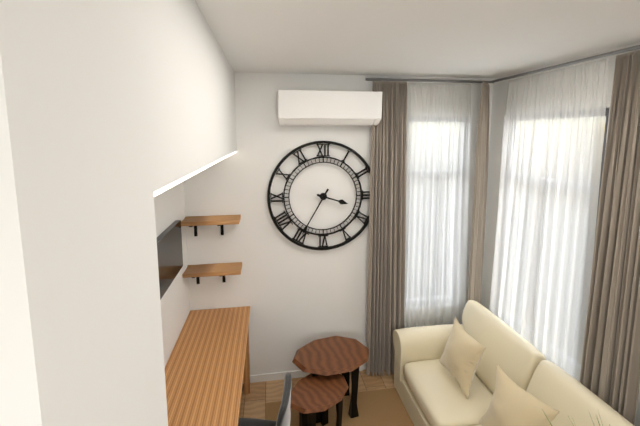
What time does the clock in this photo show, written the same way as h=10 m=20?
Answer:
h=3 m=35
